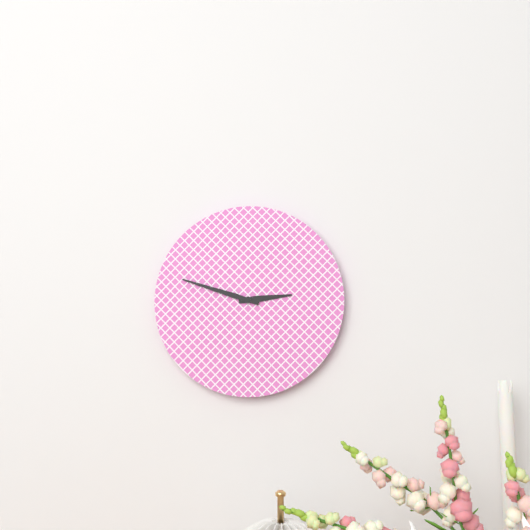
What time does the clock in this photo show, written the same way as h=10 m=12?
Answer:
h=2 m=48
